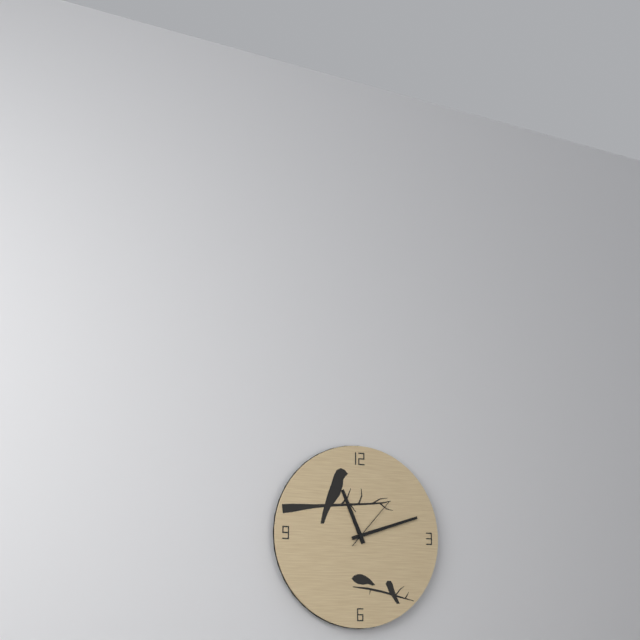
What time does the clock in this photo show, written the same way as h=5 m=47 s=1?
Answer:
h=11 m=12 s=7
